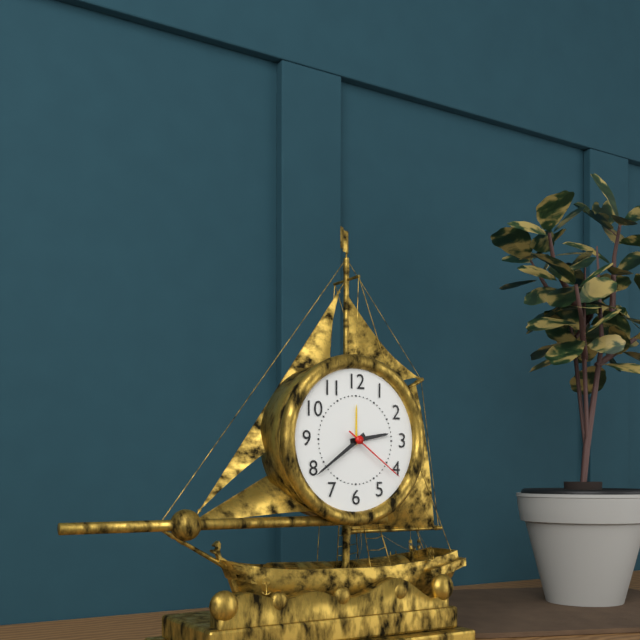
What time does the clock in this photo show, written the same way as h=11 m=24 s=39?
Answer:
h=2 m=39 s=21
